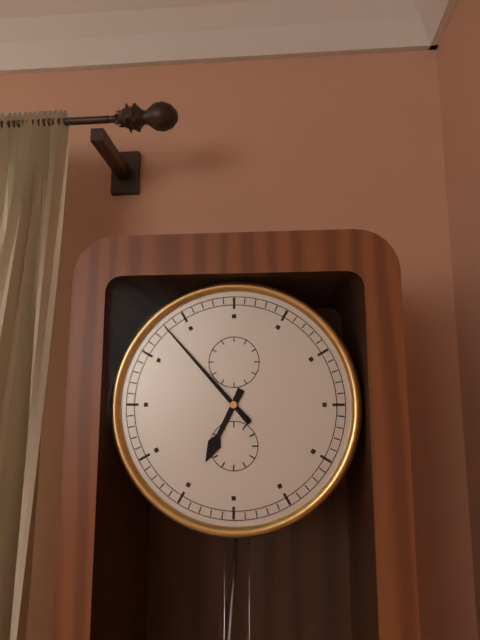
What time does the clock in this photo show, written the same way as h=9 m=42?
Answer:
h=6 m=53
